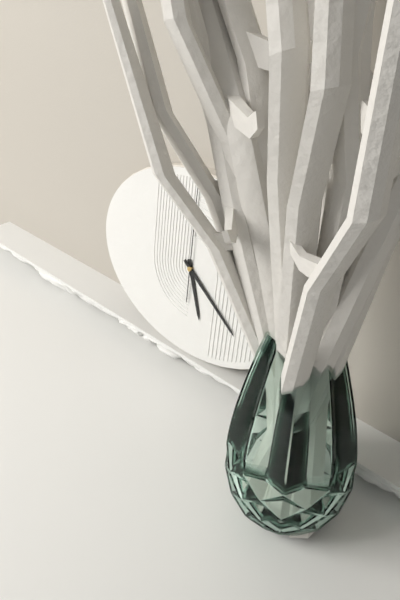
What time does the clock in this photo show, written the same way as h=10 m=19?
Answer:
h=5 m=21
